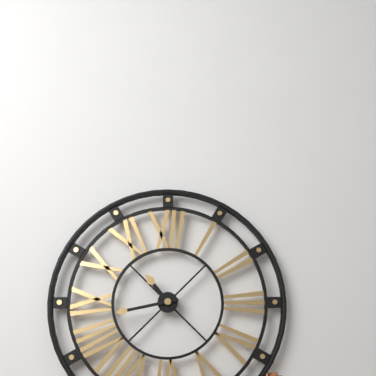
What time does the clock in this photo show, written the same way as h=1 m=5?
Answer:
h=10 m=43
